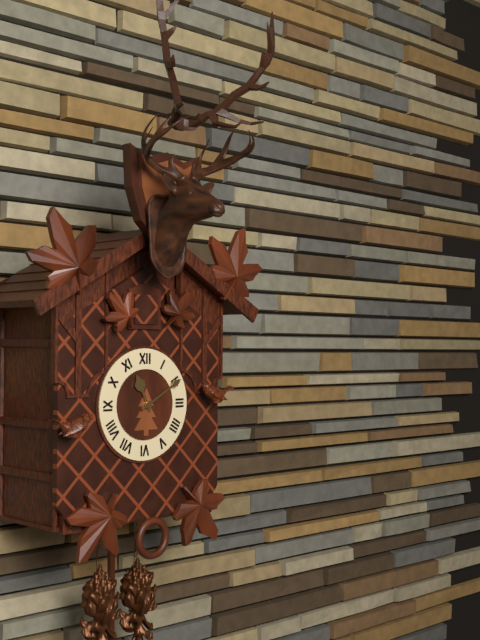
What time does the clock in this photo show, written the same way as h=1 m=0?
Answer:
h=11 m=10
